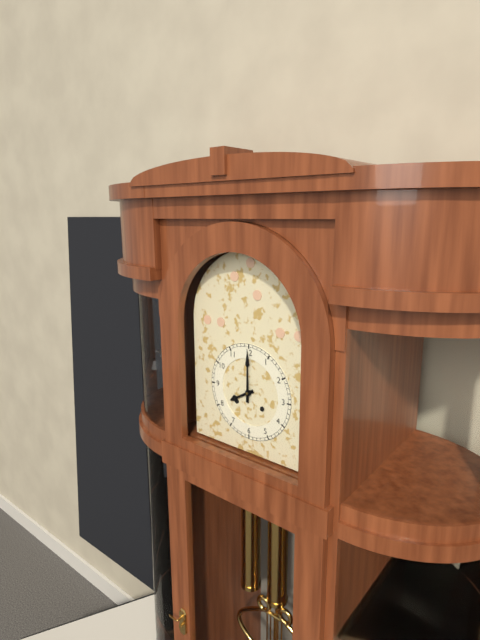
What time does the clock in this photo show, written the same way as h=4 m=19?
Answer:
h=8 m=0
